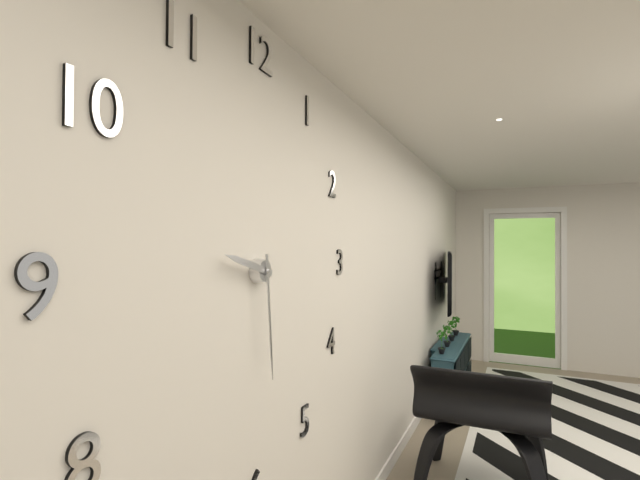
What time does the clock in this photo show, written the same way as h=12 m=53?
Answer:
h=9 m=29
